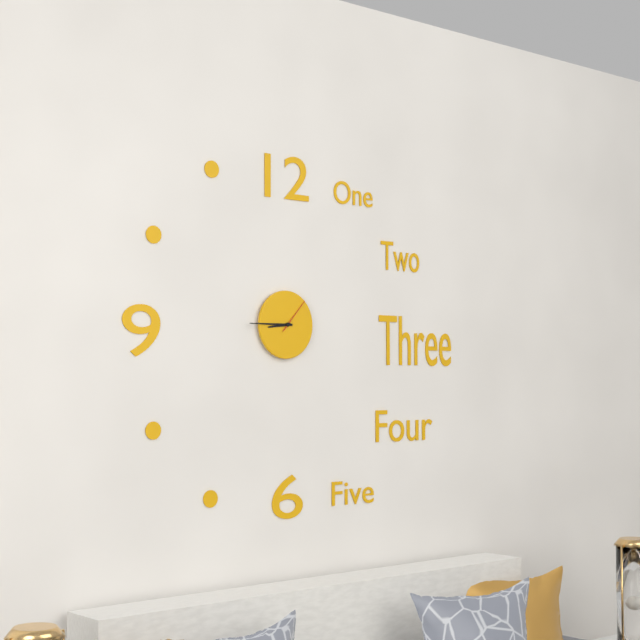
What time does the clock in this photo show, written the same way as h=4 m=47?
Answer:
h=8 m=45
